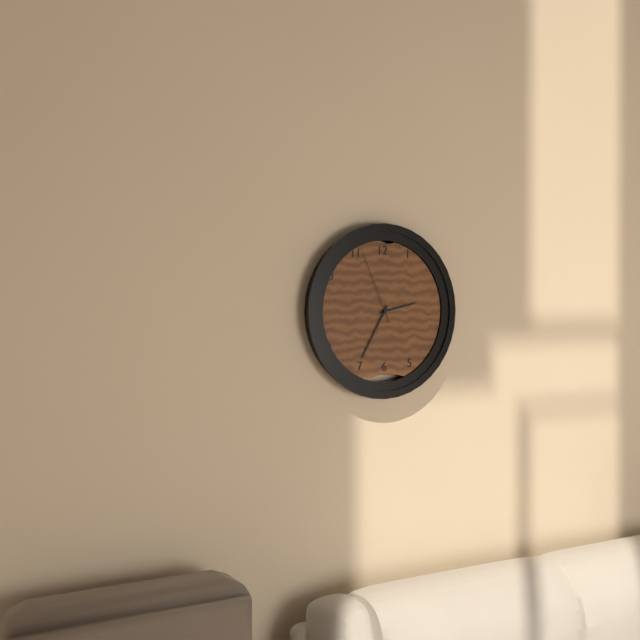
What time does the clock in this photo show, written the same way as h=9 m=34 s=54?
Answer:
h=2 m=35 s=56
